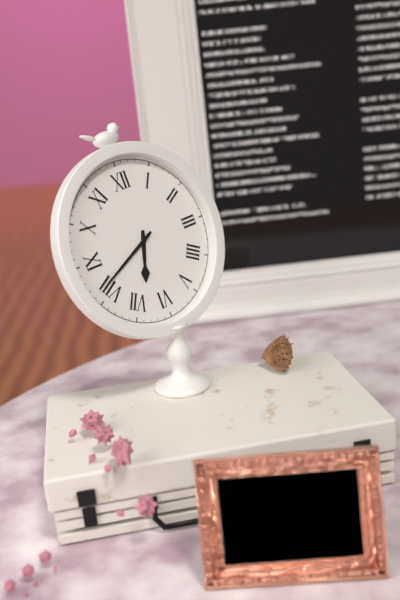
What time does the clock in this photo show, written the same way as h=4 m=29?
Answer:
h=6 m=41
